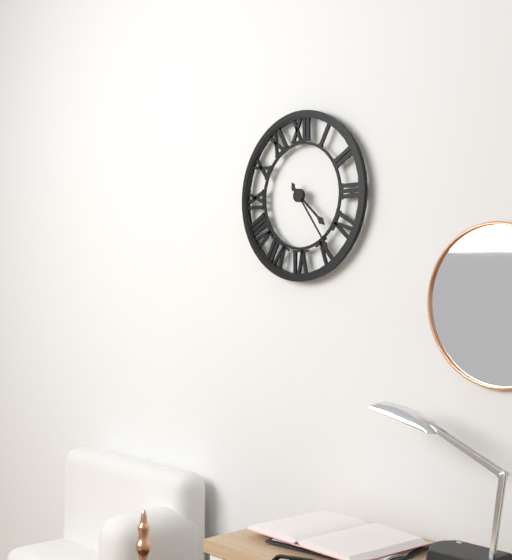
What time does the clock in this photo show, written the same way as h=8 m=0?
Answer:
h=4 m=24
